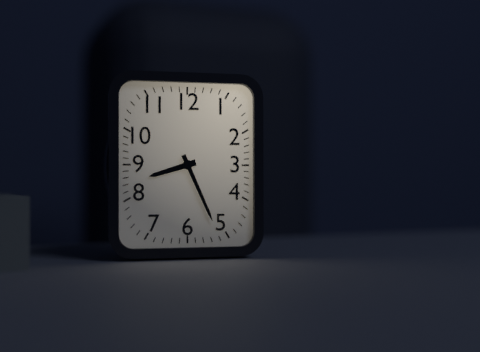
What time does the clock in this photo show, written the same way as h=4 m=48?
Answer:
h=8 m=26
